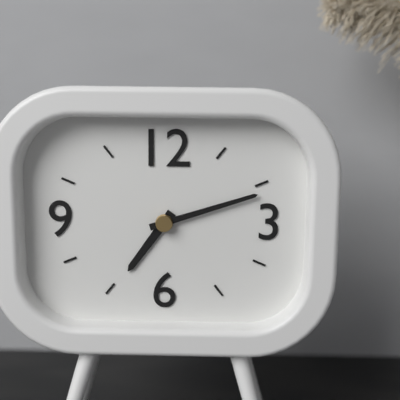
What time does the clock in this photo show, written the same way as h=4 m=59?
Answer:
h=7 m=12
